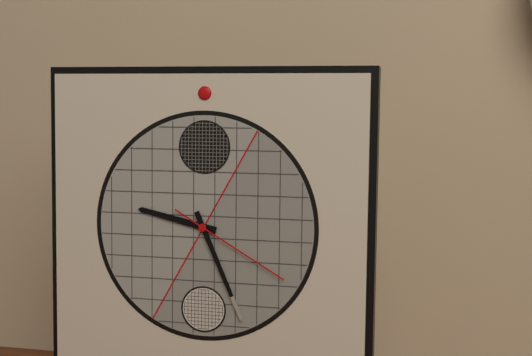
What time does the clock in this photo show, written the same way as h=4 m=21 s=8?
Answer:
h=9 m=26 s=20
